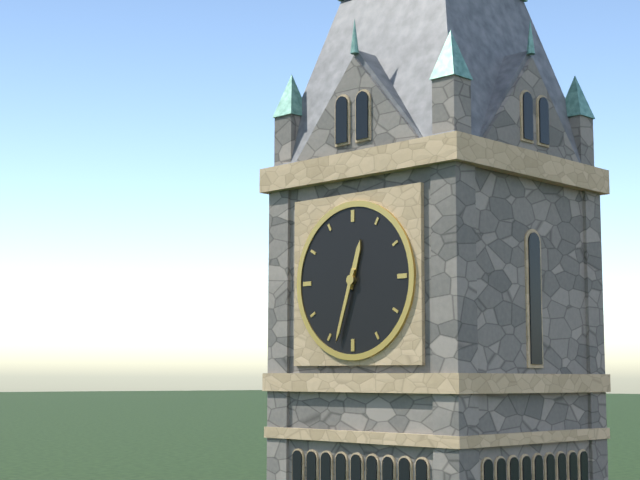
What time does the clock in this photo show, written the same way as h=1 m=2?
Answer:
h=12 m=33
